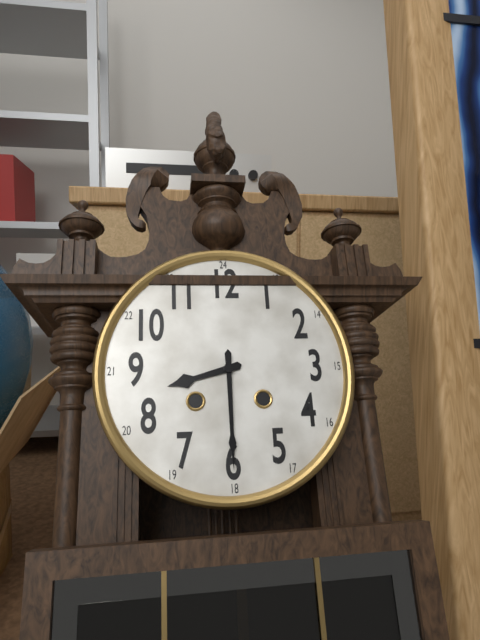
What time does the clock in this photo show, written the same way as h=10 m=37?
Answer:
h=8 m=30
